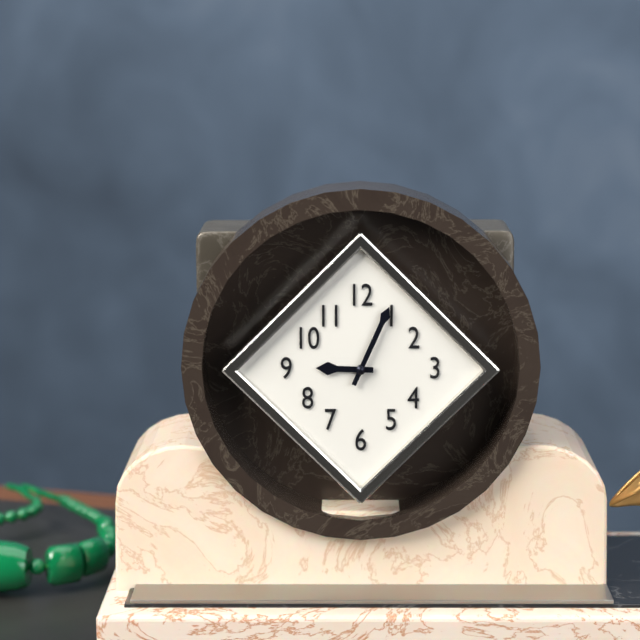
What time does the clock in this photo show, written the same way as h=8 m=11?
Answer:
h=9 m=4
